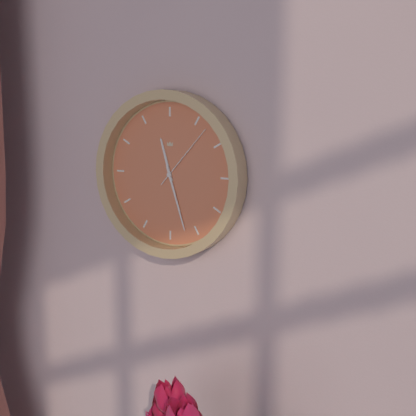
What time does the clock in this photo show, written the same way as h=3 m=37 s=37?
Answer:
h=11 m=27 s=7
